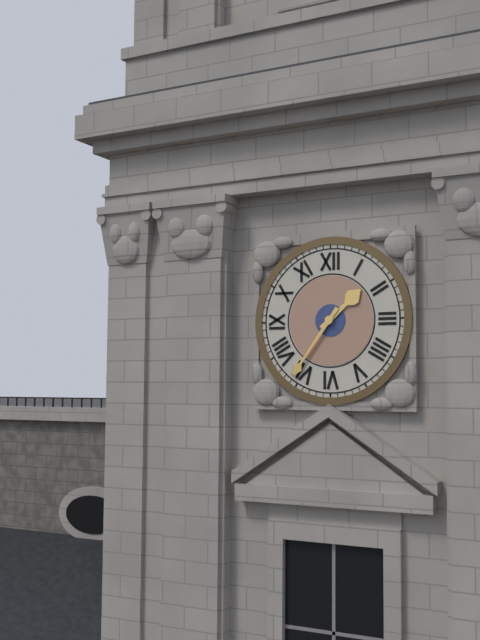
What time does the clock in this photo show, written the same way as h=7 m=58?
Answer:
h=1 m=36
